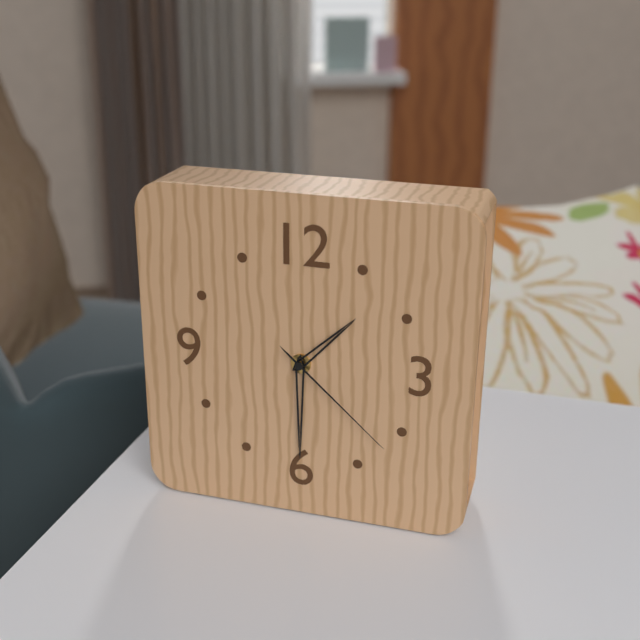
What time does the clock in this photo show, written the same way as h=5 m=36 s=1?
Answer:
h=1 m=30 s=22
